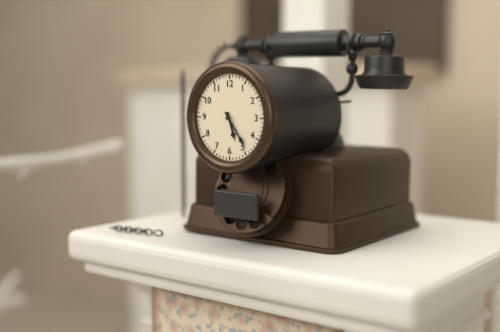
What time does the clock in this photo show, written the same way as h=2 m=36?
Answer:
h=5 m=24
